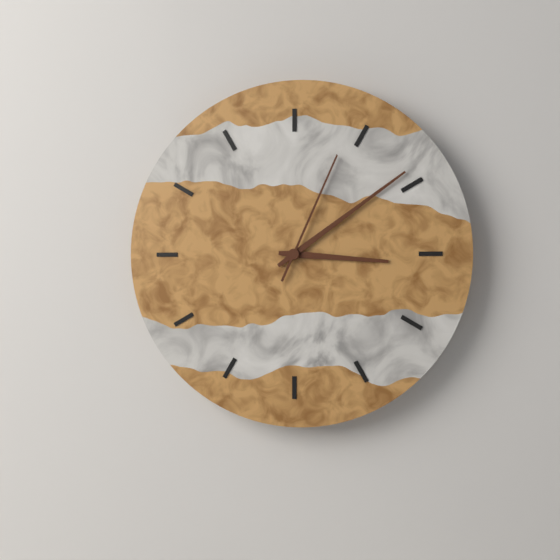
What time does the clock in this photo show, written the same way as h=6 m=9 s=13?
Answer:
h=3 m=9 s=4
